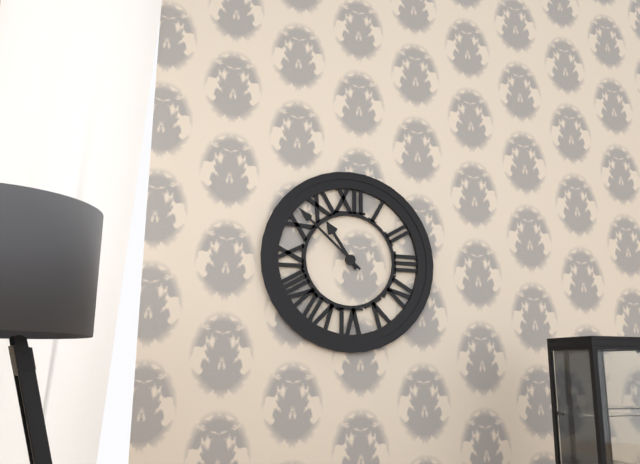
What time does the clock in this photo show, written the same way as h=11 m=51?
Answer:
h=10 m=52
